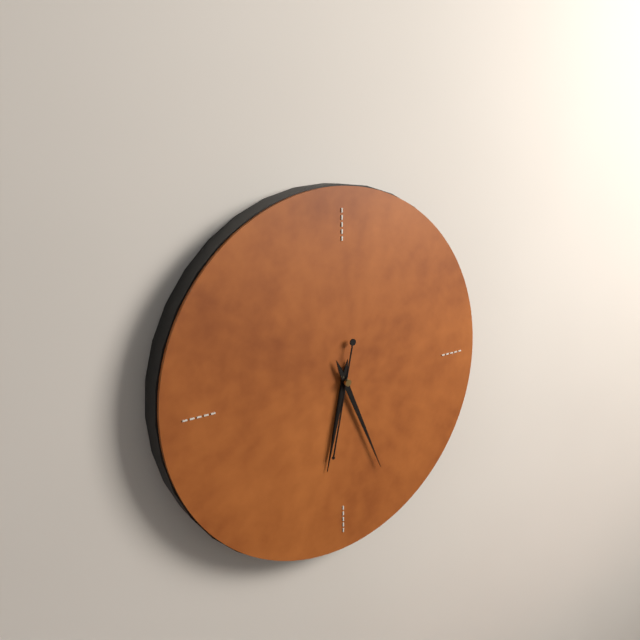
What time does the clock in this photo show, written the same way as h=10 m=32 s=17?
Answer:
h=6 m=26 s=32
